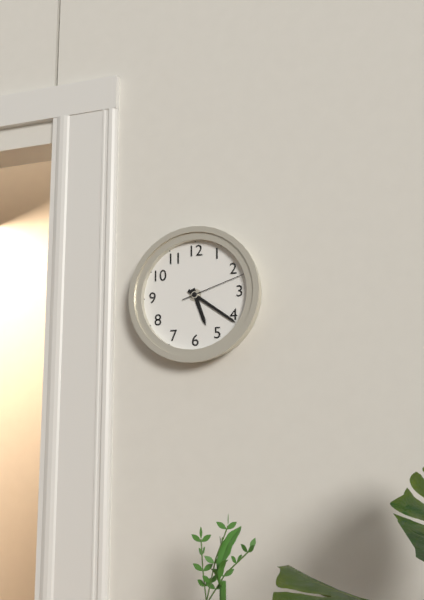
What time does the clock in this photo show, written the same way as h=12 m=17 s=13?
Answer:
h=5 m=21 s=12
